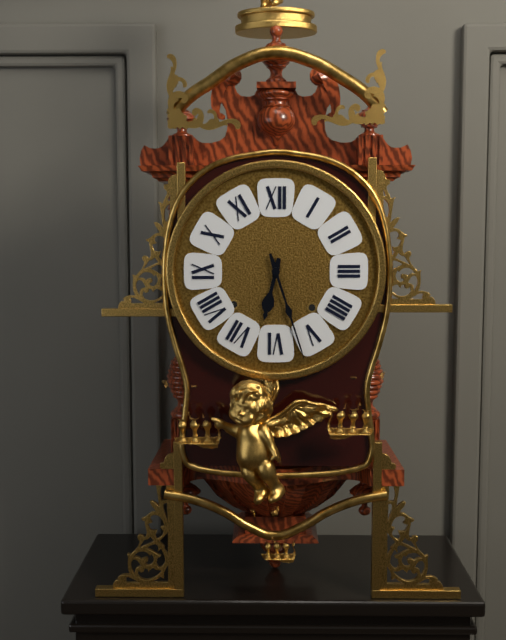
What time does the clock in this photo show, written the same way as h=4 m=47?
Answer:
h=6 m=27
